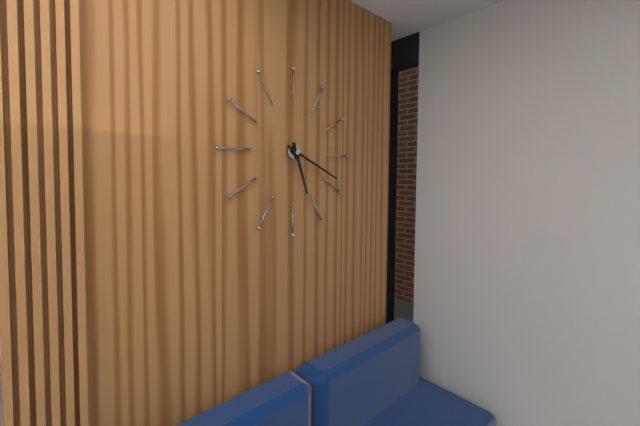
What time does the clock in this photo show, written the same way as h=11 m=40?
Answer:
h=5 m=19
